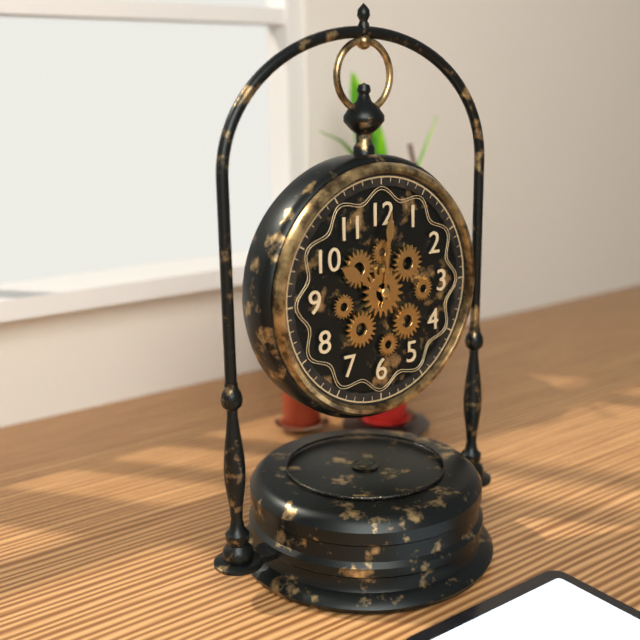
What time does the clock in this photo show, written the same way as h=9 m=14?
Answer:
h=10 m=1
